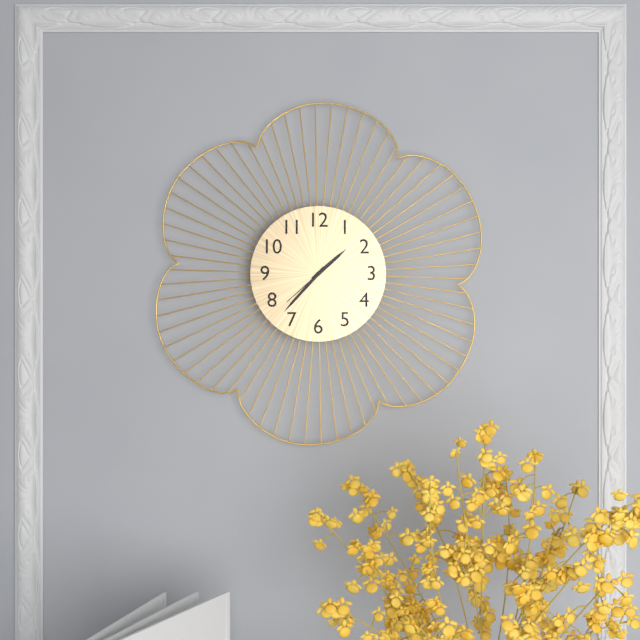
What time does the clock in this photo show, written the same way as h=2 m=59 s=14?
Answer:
h=1 m=37 s=38
